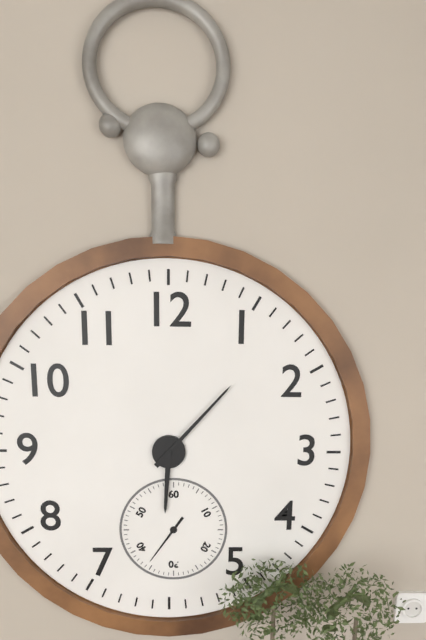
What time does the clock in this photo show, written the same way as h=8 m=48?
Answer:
h=6 m=7
